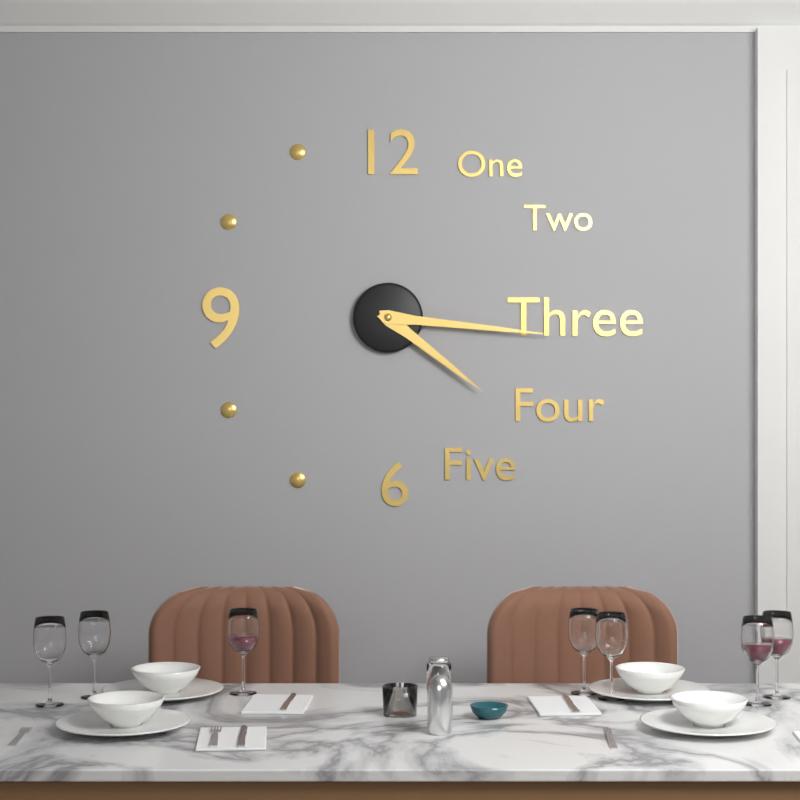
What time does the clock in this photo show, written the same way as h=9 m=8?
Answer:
h=4 m=16
